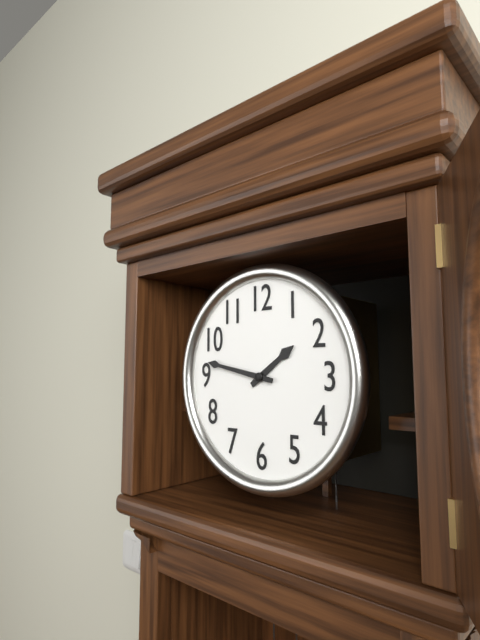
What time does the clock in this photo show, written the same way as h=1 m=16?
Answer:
h=1 m=47
